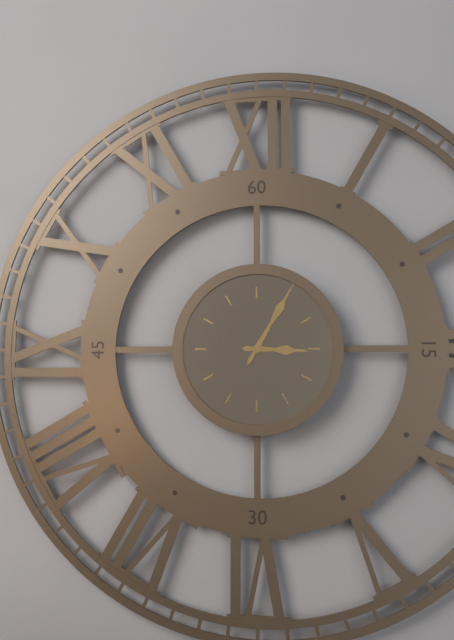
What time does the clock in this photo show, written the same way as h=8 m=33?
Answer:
h=3 m=5
